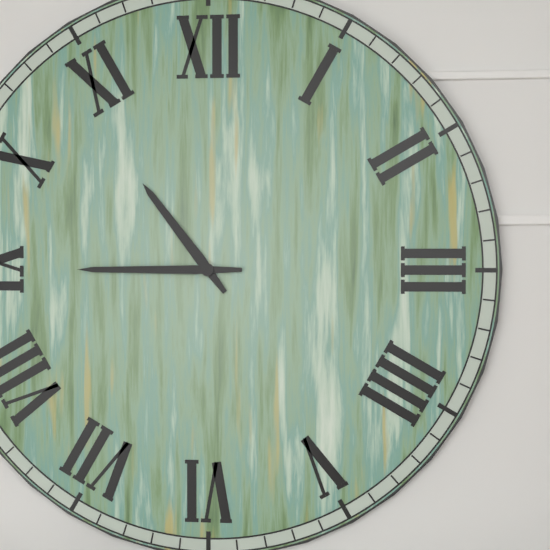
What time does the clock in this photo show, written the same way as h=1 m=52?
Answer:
h=10 m=45
